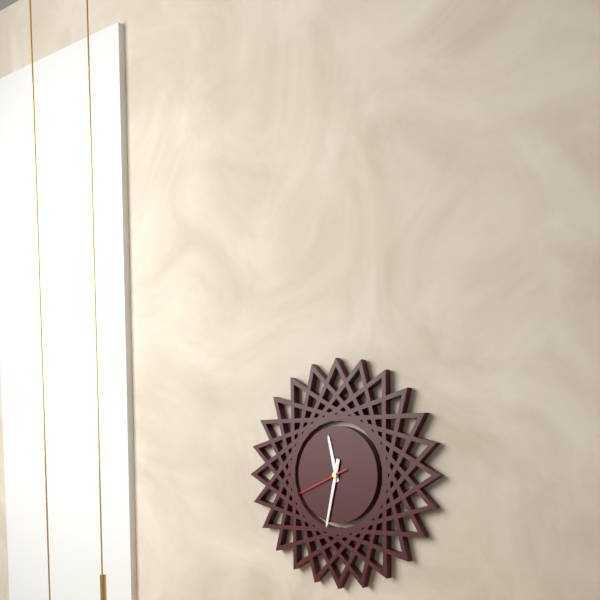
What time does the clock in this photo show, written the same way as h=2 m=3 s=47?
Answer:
h=11 m=32 s=41
